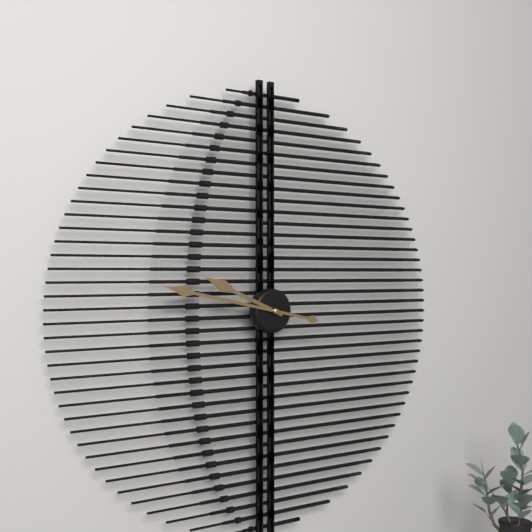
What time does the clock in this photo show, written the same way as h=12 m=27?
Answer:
h=9 m=47
